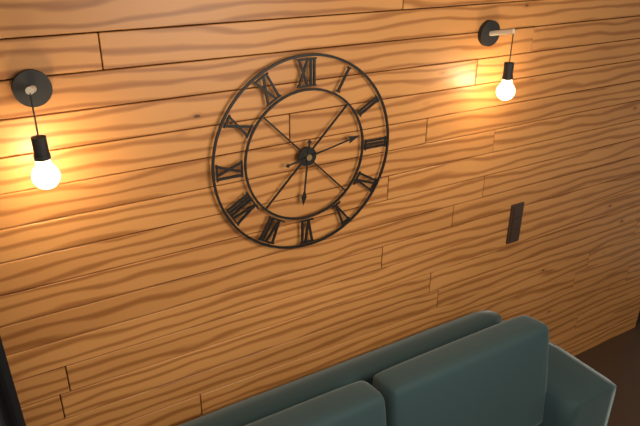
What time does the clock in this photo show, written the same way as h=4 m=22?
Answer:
h=6 m=13
